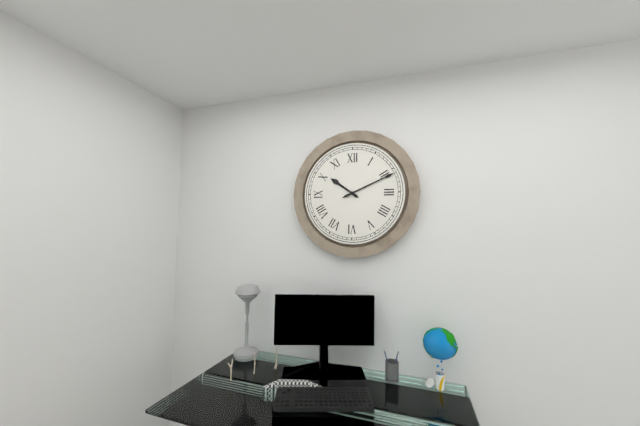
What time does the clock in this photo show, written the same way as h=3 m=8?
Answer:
h=10 m=11
